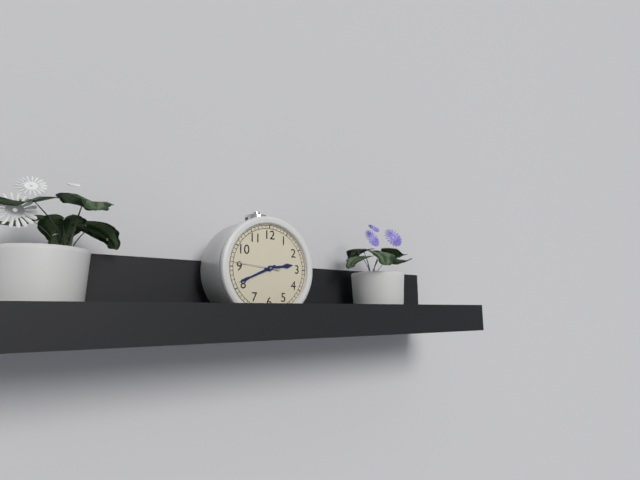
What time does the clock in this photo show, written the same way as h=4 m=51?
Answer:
h=2 m=41
